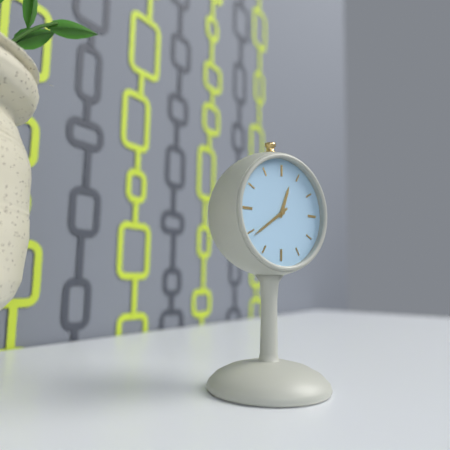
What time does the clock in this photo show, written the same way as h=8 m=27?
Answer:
h=12 m=39
